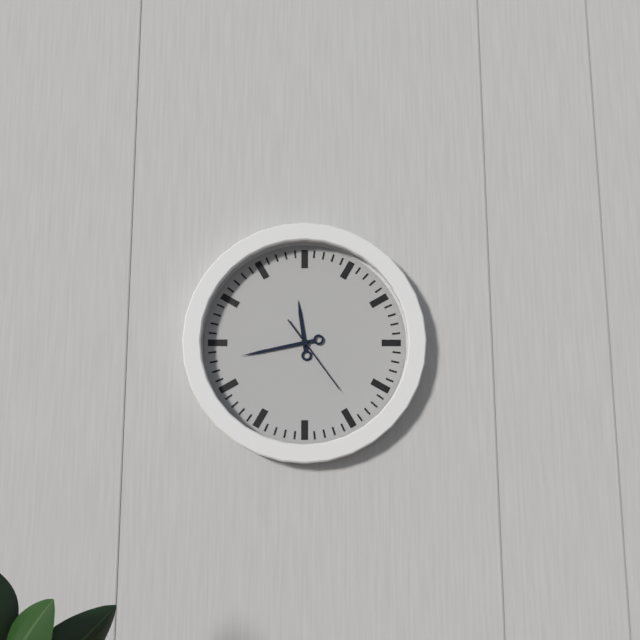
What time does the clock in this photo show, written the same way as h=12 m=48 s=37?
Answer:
h=11 m=43 s=24
